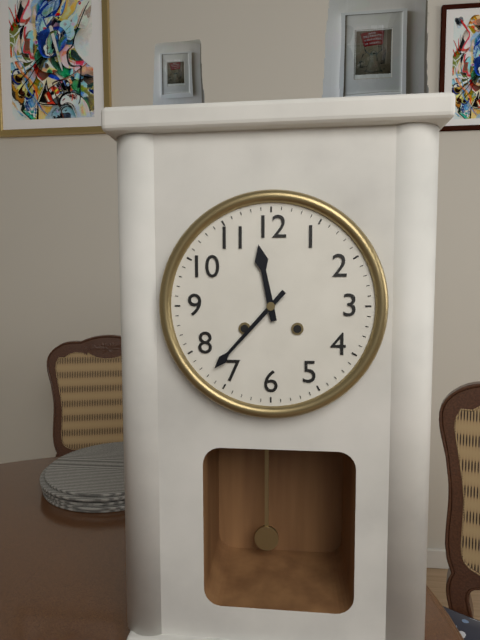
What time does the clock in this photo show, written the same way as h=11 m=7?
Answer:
h=11 m=37
